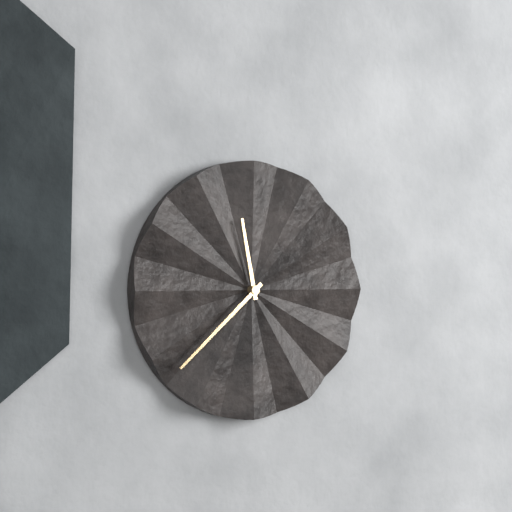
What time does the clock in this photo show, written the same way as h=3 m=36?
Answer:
h=11 m=38
